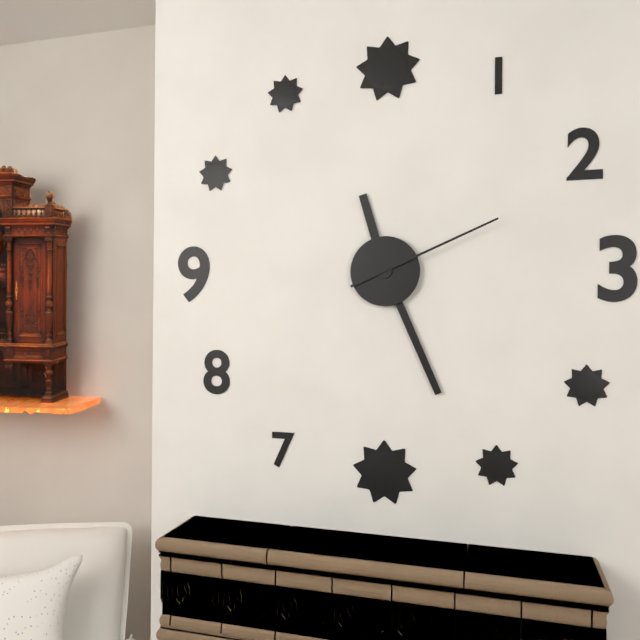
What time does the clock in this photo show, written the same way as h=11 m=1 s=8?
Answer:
h=11 m=26 s=11
